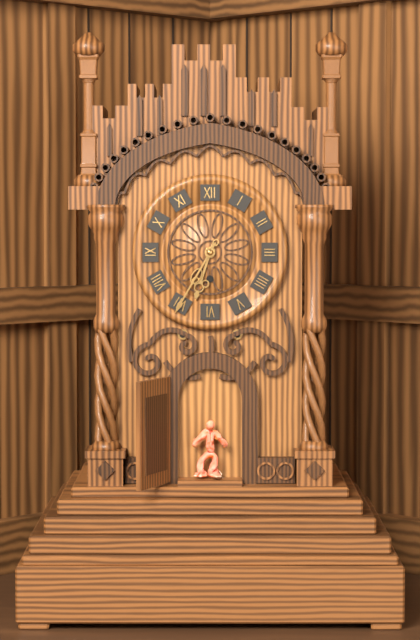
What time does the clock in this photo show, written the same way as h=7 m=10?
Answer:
h=6 m=35
